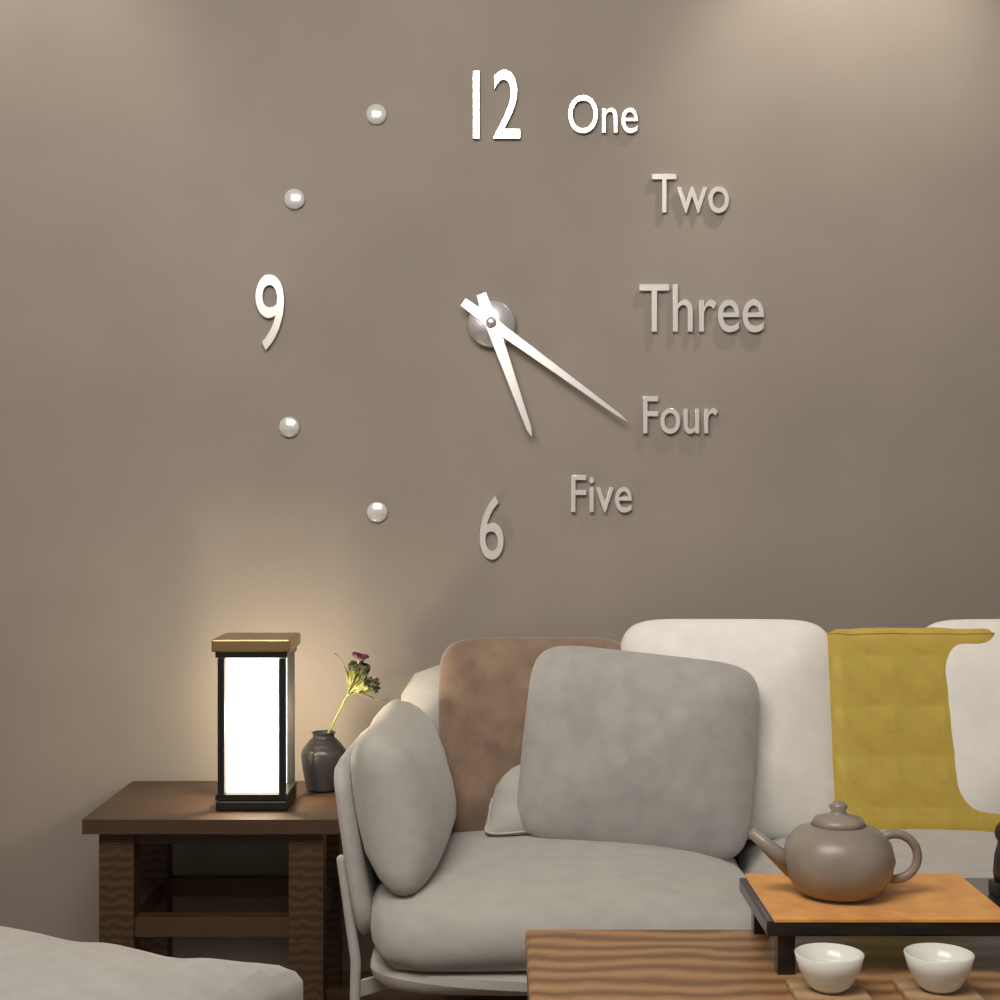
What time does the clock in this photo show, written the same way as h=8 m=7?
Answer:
h=5 m=21
